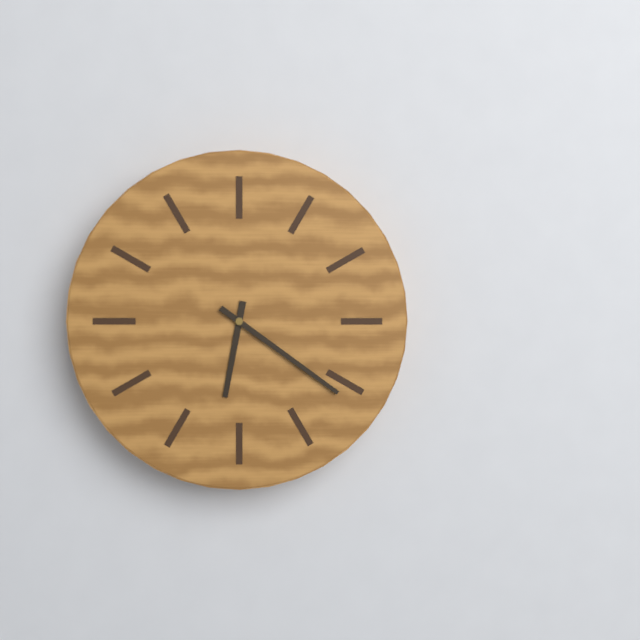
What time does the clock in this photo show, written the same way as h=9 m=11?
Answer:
h=6 m=21
